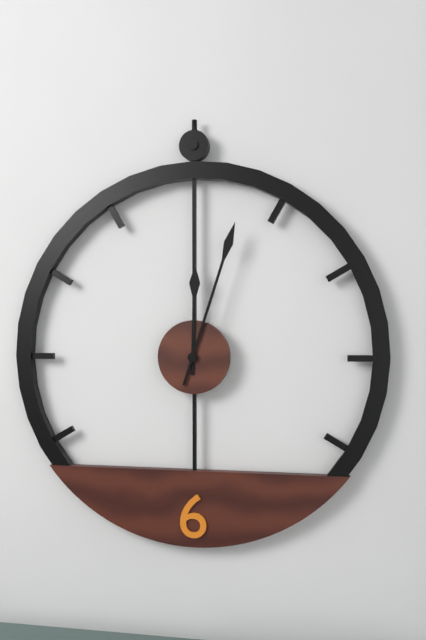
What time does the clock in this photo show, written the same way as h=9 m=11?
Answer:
h=12 m=3
